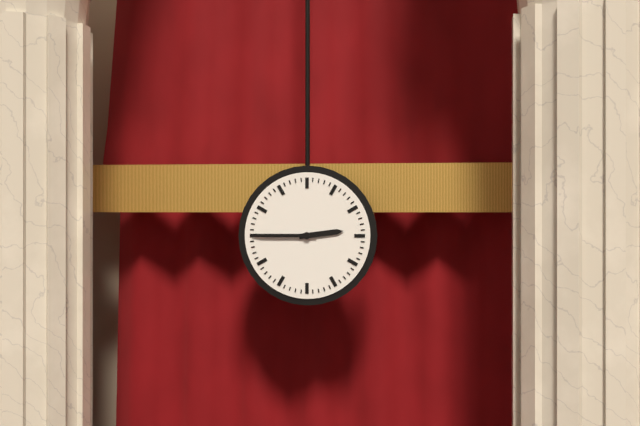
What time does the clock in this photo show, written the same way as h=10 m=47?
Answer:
h=2 m=45
